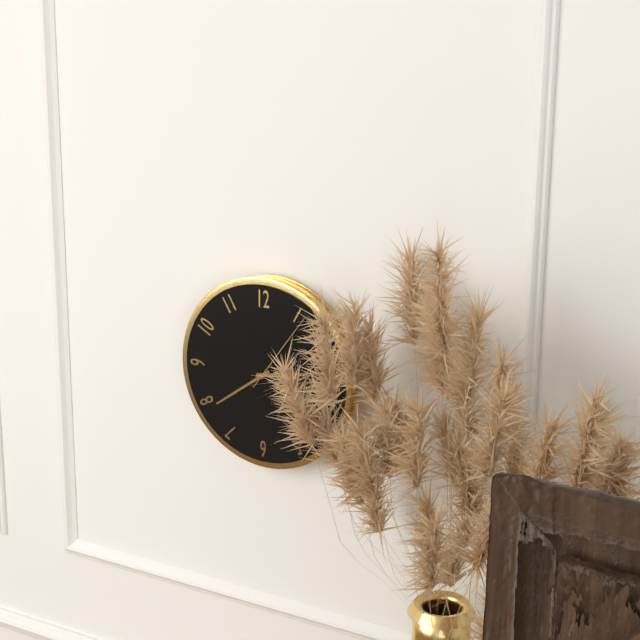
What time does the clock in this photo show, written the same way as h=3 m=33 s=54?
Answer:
h=2 m=39 s=6
